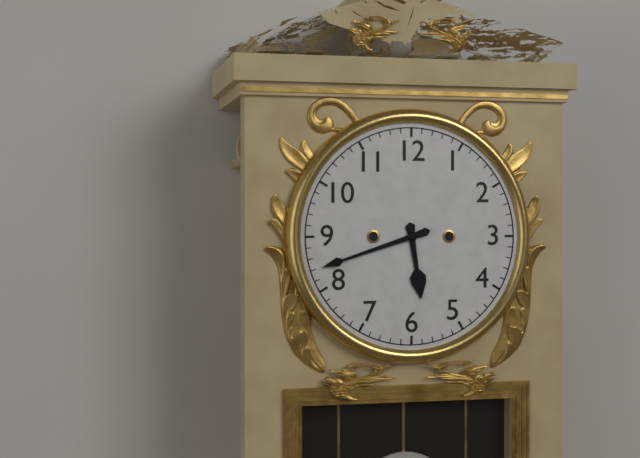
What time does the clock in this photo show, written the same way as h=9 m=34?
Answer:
h=5 m=42
